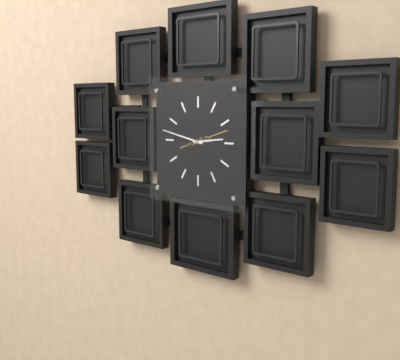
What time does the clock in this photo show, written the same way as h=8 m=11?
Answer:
h=2 m=47
